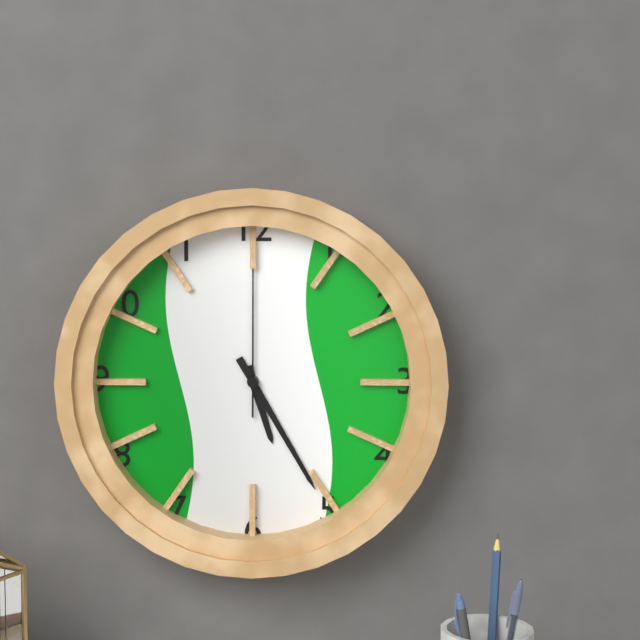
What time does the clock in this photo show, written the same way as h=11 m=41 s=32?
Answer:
h=5 m=25 s=0
